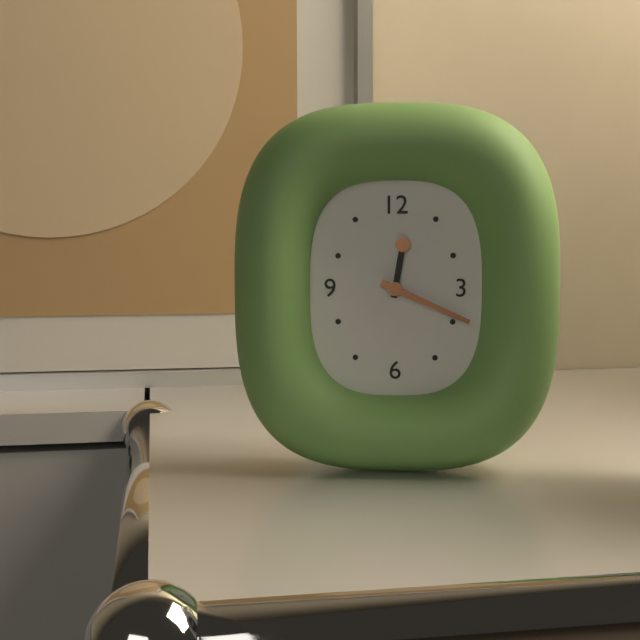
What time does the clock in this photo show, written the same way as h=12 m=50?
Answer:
h=12 m=19
